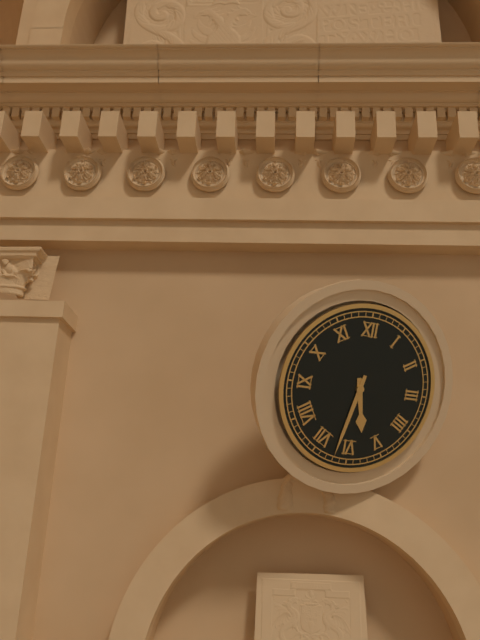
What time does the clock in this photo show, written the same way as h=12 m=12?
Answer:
h=5 m=32
